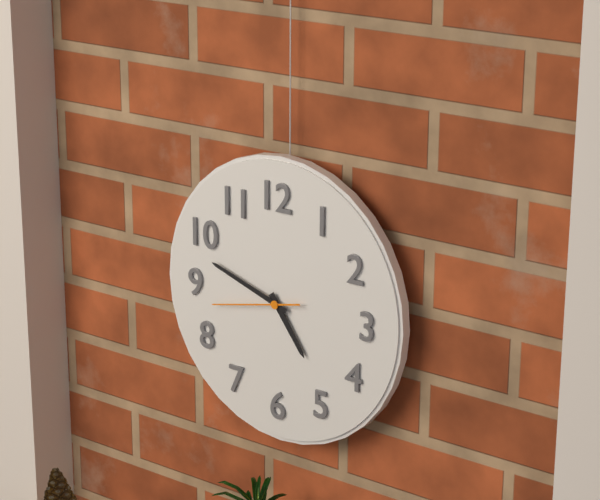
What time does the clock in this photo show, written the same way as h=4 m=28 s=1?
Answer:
h=4 m=48 s=43
